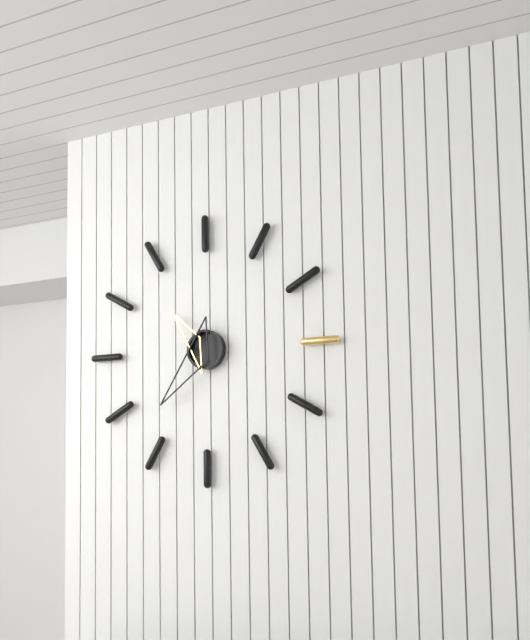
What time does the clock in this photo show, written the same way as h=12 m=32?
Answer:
h=10 m=37
